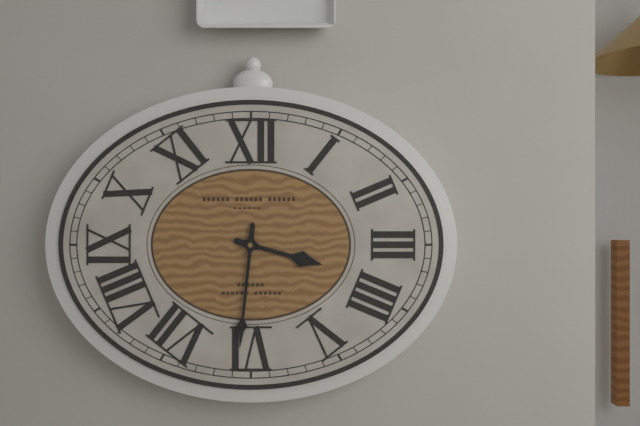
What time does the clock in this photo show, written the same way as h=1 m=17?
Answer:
h=3 m=31
